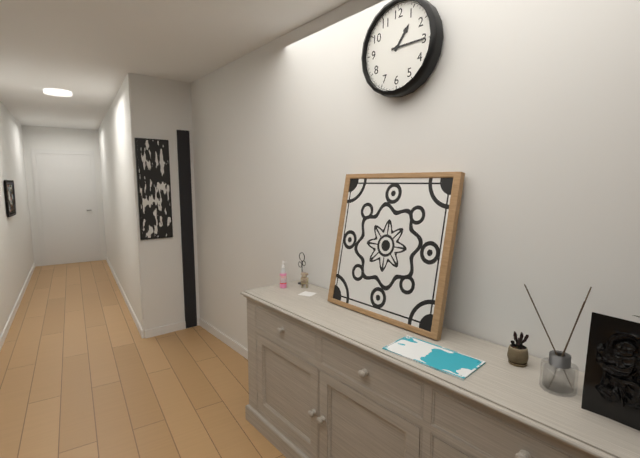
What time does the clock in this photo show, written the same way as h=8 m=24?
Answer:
h=1 m=15
